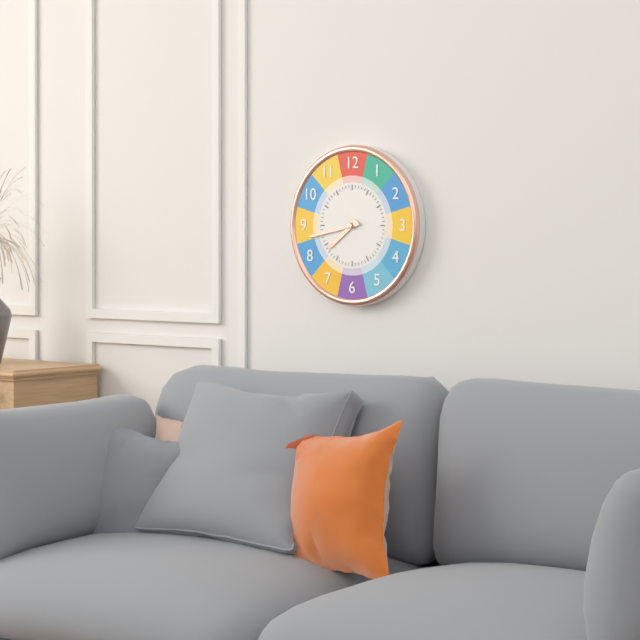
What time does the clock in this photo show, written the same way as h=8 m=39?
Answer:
h=7 m=43
